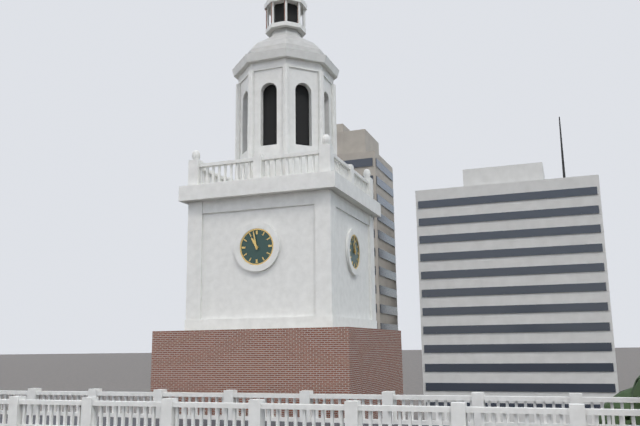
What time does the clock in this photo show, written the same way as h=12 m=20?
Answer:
h=10 m=58
